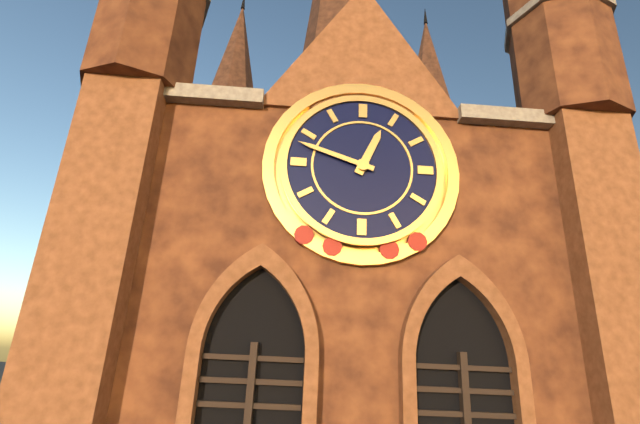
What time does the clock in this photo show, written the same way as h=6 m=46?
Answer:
h=12 m=48
